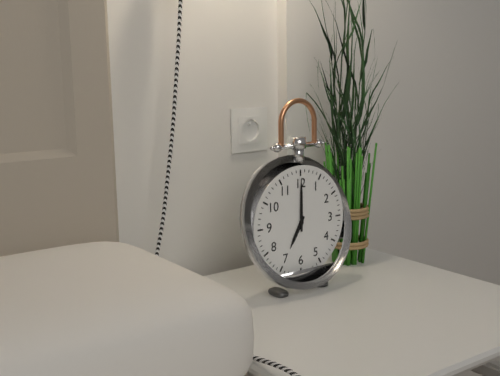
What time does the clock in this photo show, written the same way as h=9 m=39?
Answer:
h=7 m=0
